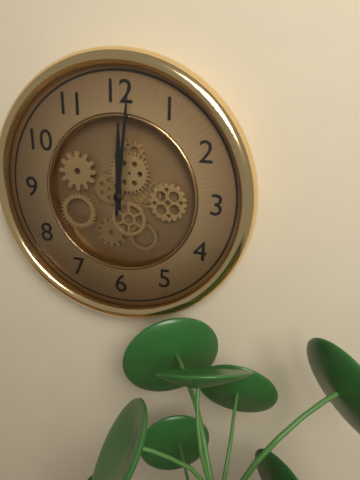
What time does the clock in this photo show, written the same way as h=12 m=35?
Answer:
h=12 m=1
